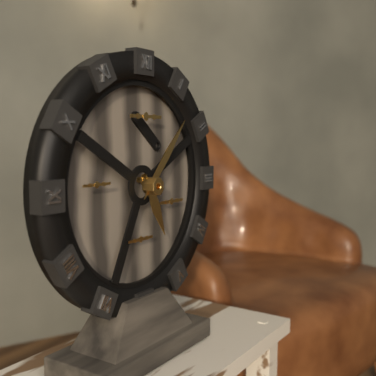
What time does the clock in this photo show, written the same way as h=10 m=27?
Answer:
h=5 m=7
